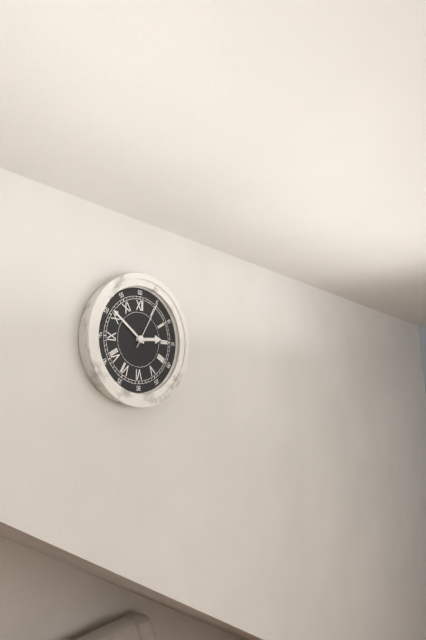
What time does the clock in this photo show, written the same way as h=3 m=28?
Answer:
h=2 m=51
